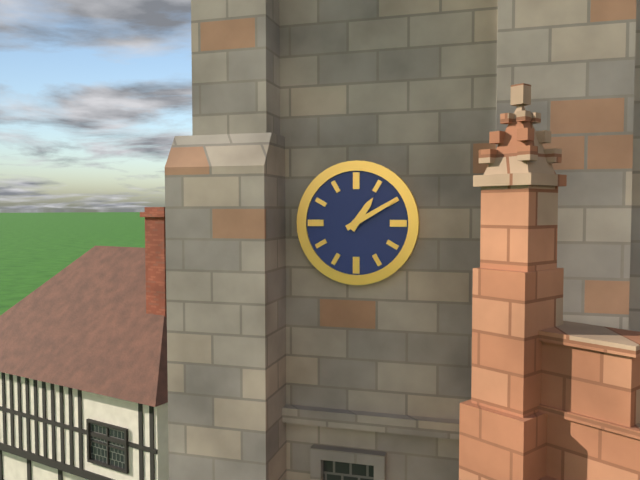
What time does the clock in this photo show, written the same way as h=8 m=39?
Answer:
h=1 m=10
